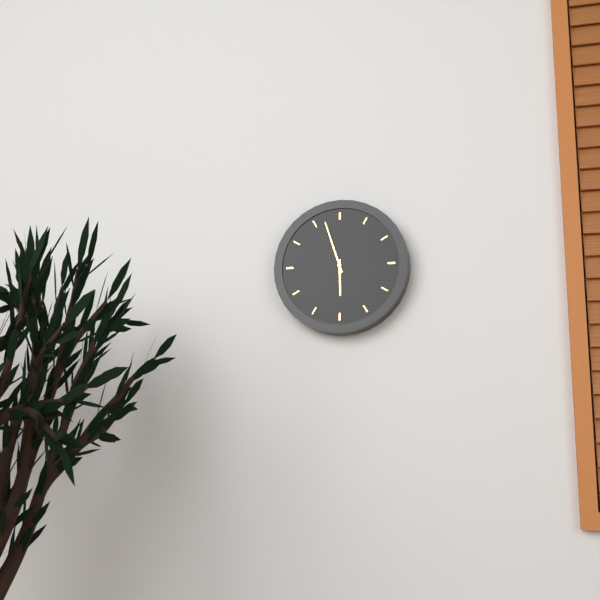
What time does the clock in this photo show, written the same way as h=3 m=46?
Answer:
h=5 m=57
